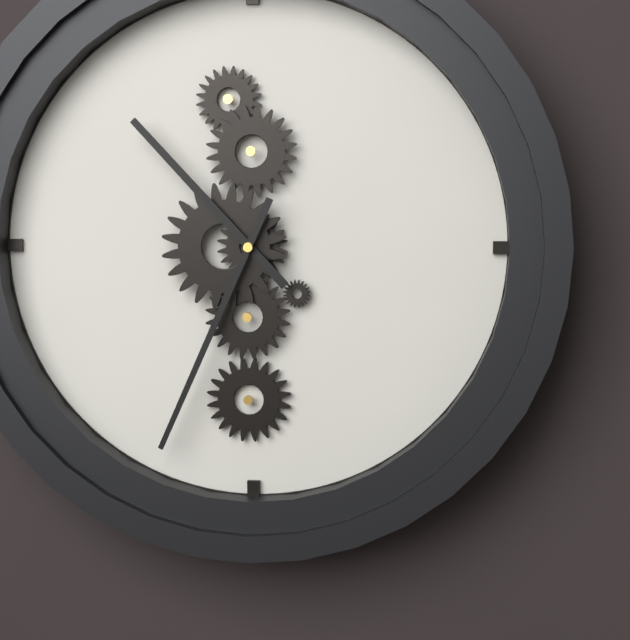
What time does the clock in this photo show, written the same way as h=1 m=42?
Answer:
h=10 m=34
